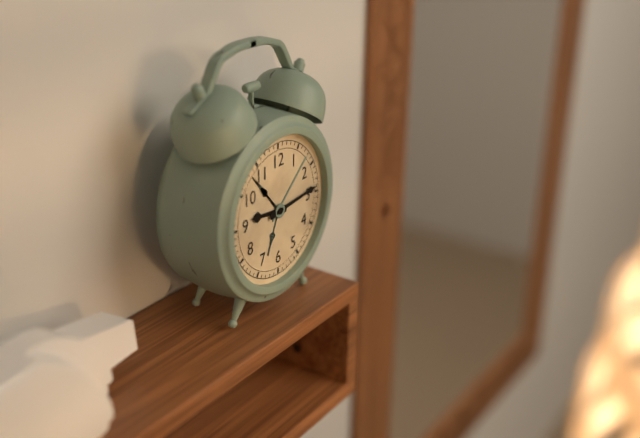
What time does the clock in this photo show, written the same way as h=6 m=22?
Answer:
h=9 m=14
